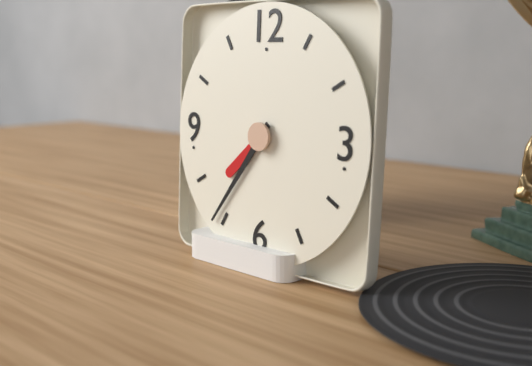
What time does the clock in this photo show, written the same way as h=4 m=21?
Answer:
h=7 m=36
